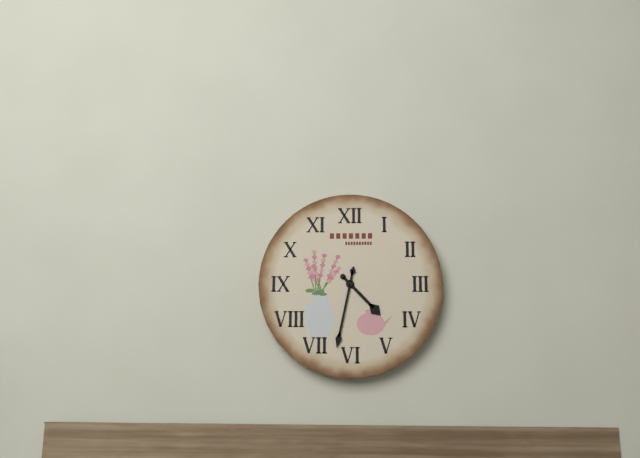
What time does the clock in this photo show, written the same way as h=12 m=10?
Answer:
h=4 m=32
